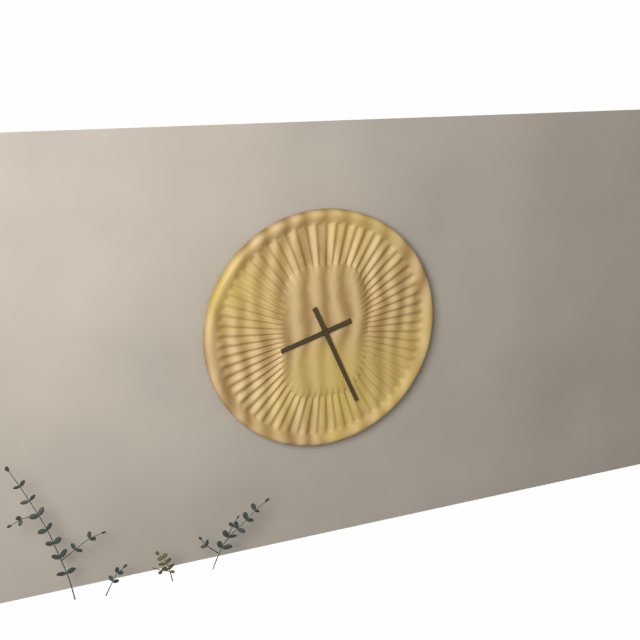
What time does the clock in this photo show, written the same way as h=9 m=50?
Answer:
h=8 m=26
